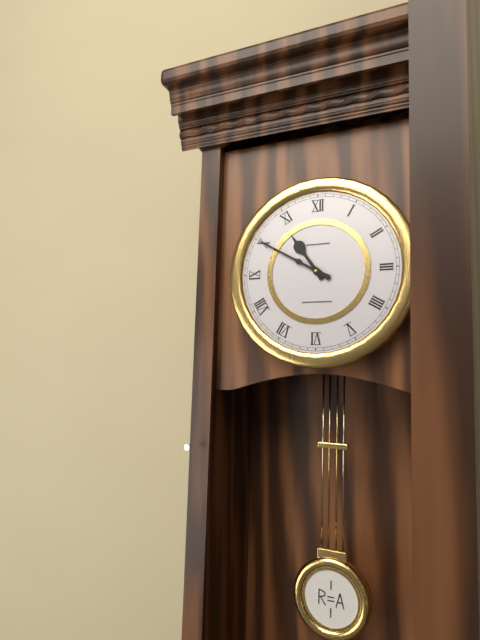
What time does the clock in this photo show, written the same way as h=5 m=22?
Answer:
h=10 m=50
